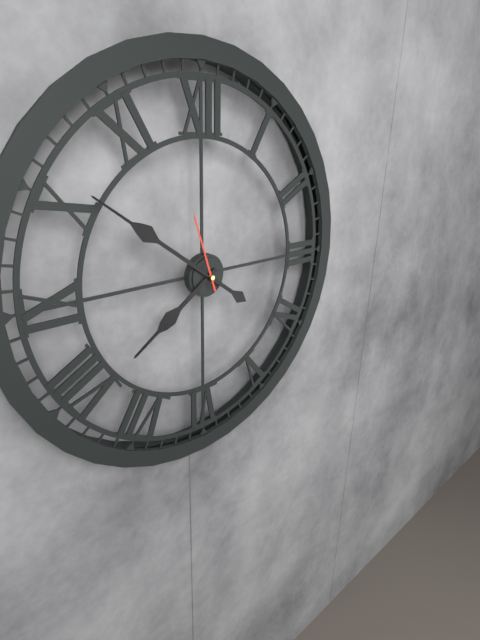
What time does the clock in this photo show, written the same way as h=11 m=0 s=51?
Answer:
h=7 m=51 s=57
